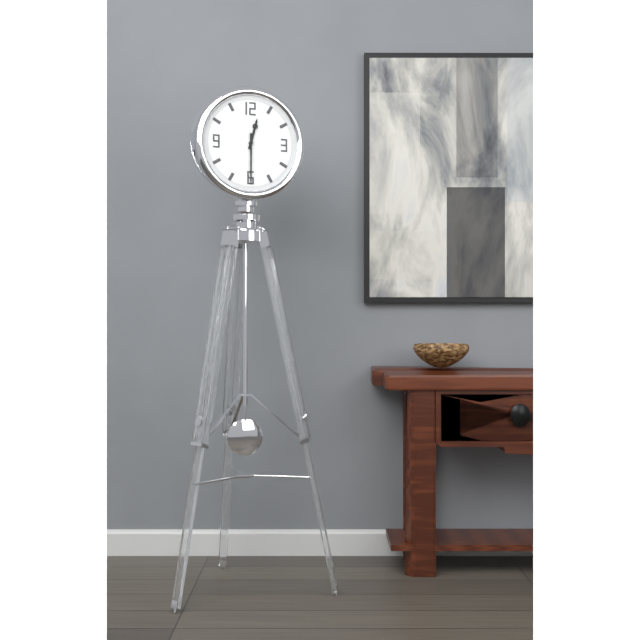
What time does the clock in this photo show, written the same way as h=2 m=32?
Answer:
h=12 m=30
